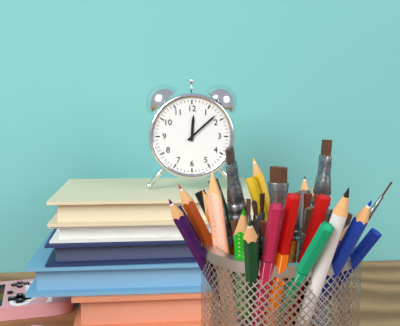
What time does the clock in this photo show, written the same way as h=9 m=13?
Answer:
h=12 m=8
